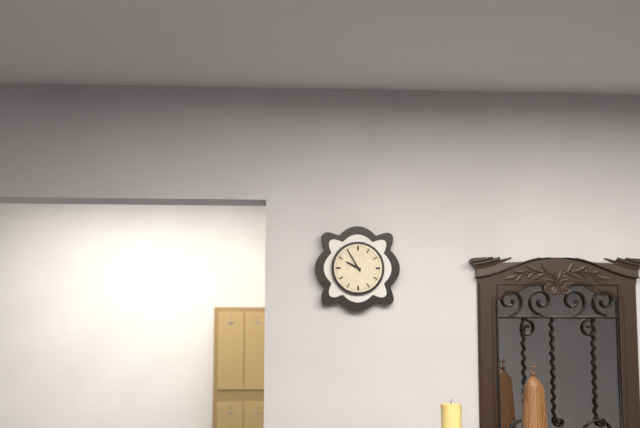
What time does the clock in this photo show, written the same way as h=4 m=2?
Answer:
h=9 m=55
